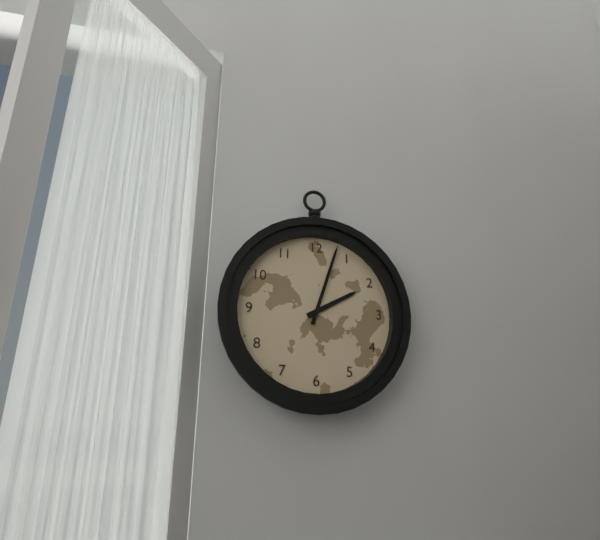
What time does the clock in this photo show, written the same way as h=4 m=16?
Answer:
h=2 m=3
